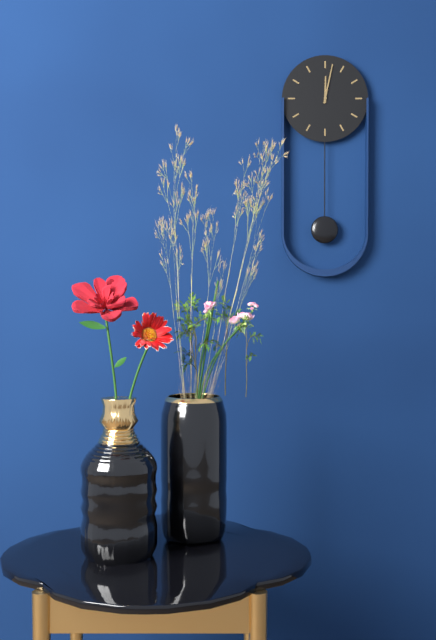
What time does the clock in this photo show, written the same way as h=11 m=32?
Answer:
h=12 m=2
